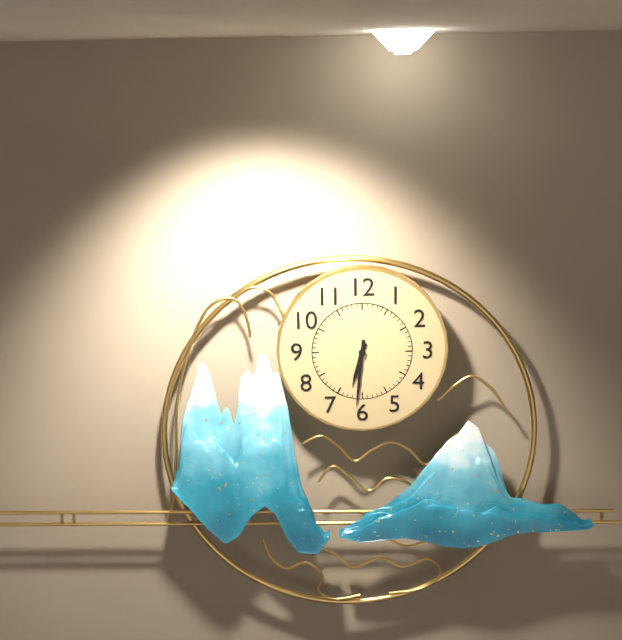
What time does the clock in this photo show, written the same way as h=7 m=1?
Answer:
h=6 m=31
